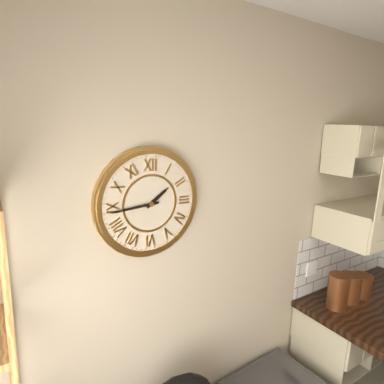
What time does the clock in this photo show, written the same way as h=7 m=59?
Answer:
h=1 m=44
